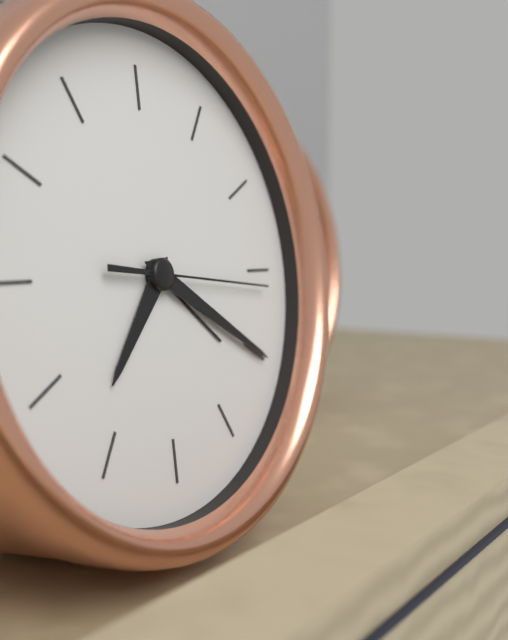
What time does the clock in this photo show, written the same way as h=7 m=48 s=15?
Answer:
h=7 m=20 s=16
